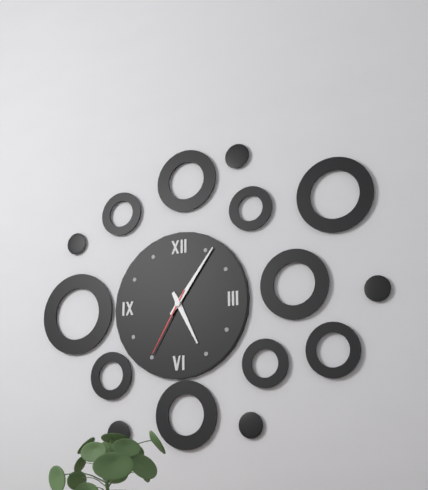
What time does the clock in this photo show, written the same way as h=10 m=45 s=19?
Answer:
h=5 m=6 s=35
